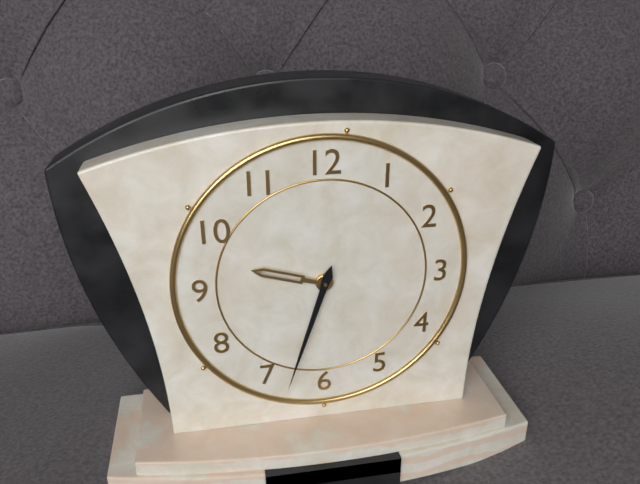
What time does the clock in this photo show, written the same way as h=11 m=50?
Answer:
h=9 m=33
